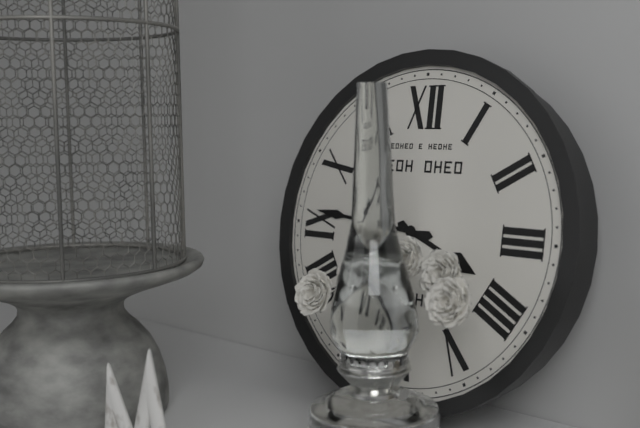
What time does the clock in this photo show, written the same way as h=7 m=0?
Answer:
h=3 m=46
